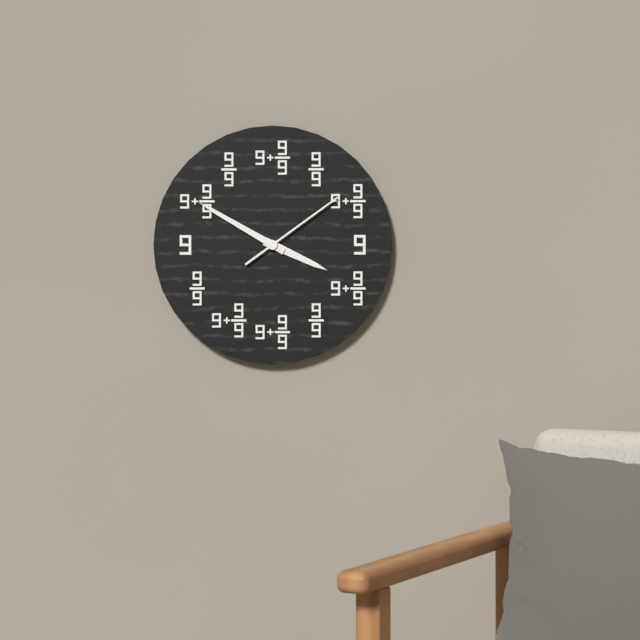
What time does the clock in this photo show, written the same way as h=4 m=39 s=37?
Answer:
h=3 m=50 s=9
